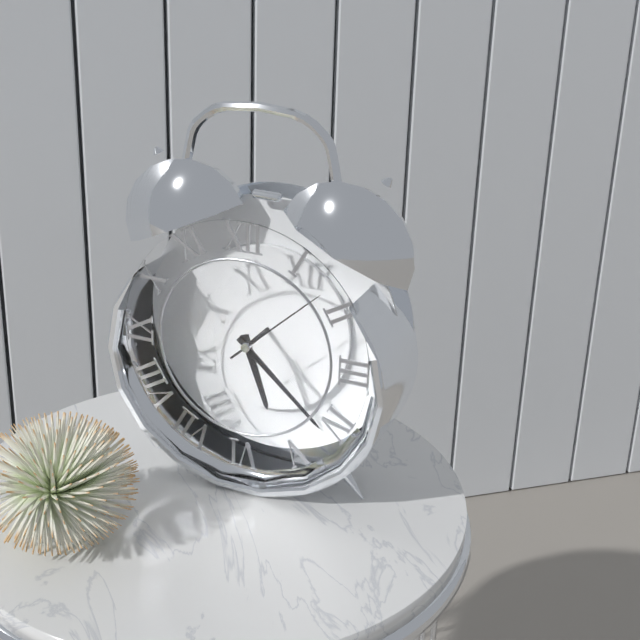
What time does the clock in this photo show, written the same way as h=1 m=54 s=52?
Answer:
h=5 m=22 s=8
